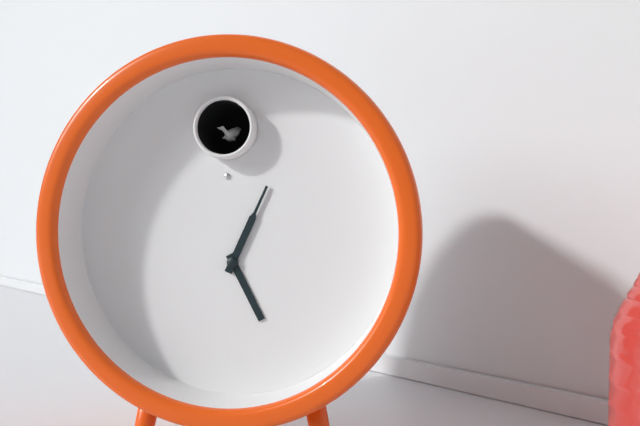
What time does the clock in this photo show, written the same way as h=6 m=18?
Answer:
h=5 m=4
